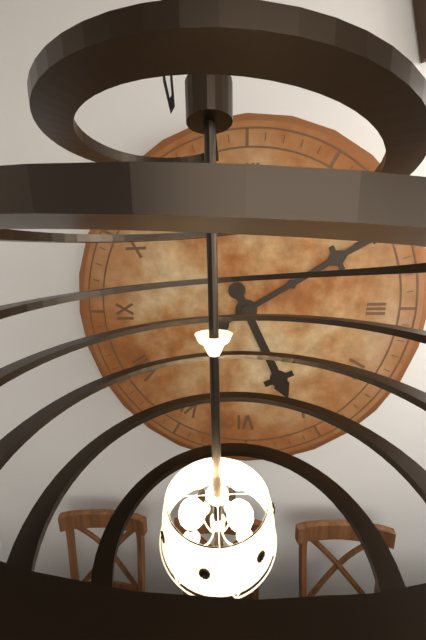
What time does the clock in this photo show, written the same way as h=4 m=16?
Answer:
h=5 m=10
